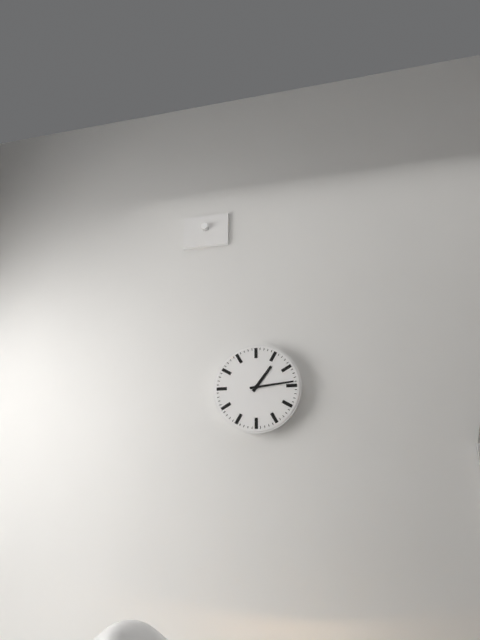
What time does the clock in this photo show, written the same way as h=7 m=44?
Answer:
h=1 m=14
